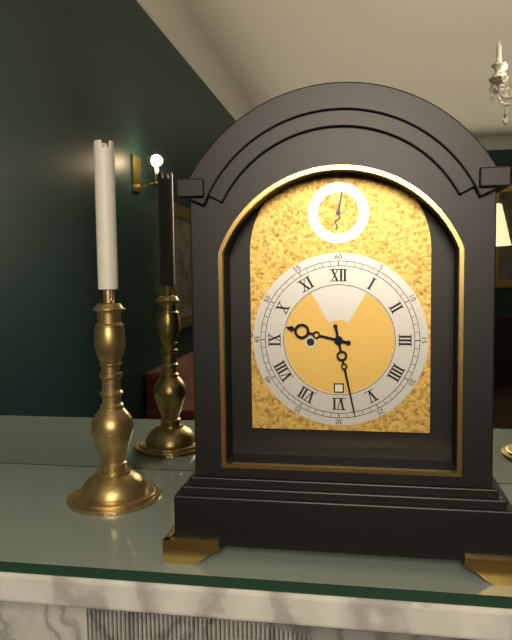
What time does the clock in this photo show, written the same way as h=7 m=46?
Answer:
h=9 m=28
